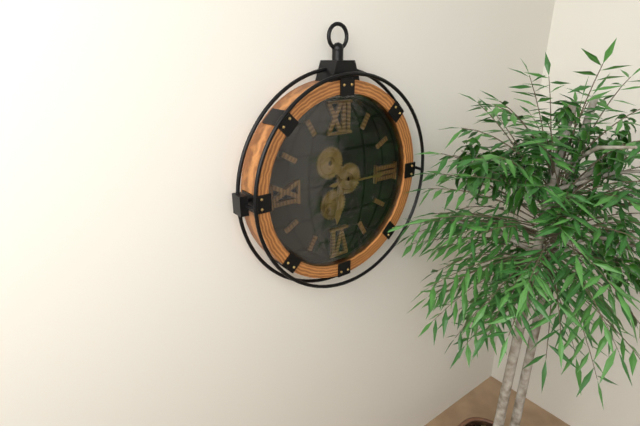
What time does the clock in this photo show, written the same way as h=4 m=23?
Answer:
h=6 m=15
